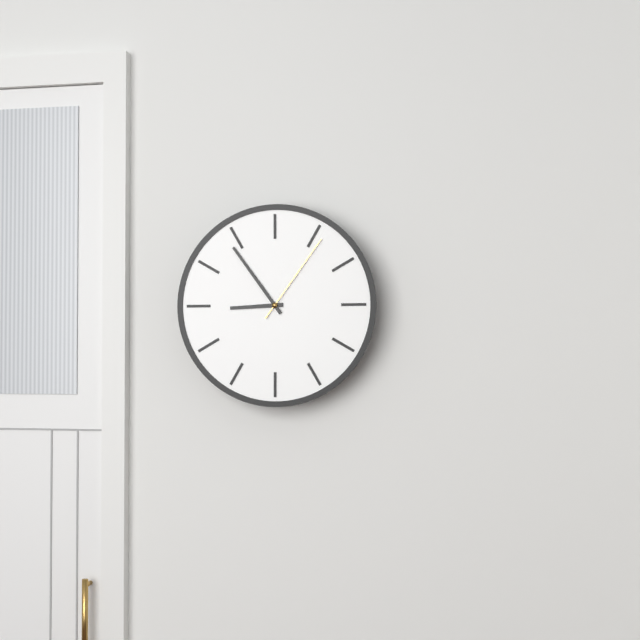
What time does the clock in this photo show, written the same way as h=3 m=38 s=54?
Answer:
h=8 m=54 s=6
